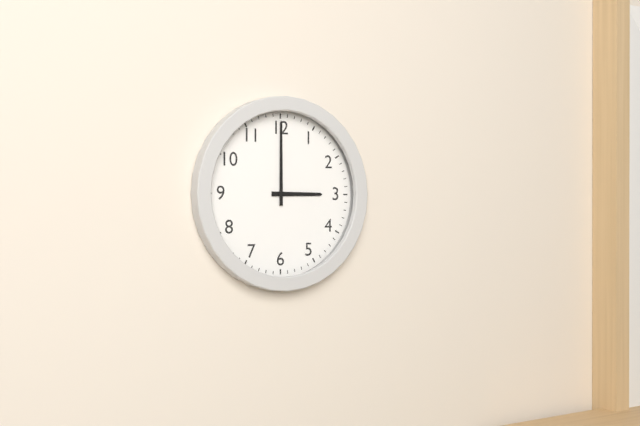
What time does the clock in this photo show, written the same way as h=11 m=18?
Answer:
h=3 m=0
